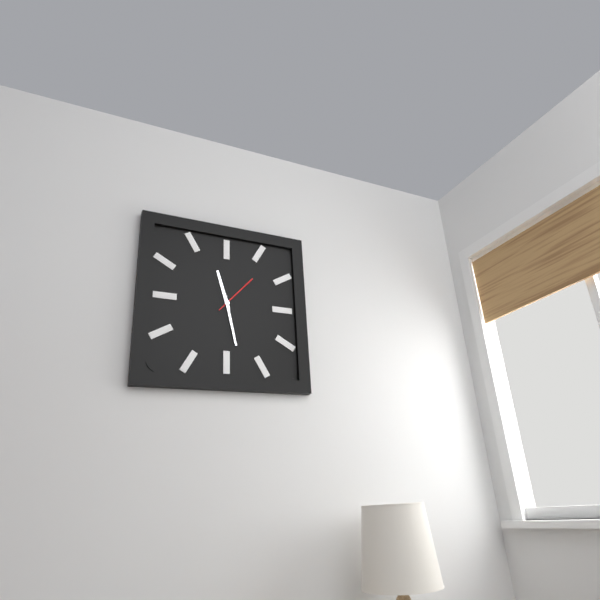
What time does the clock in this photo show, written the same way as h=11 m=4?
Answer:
h=11 m=28
